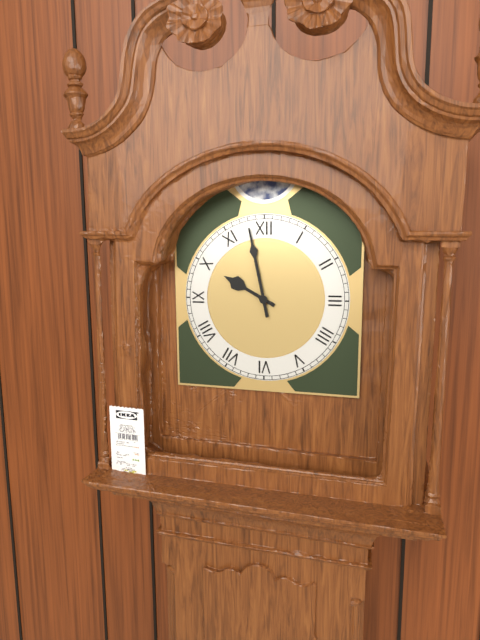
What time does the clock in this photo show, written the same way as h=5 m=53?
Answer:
h=9 m=58
